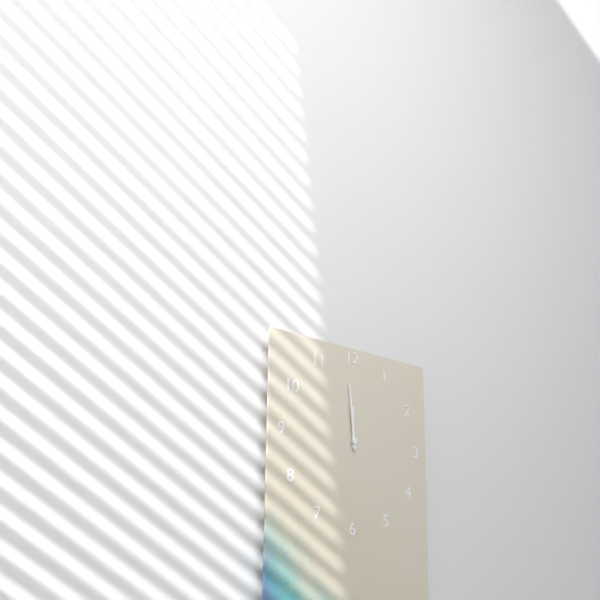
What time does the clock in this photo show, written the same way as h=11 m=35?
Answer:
h=11 m=59
